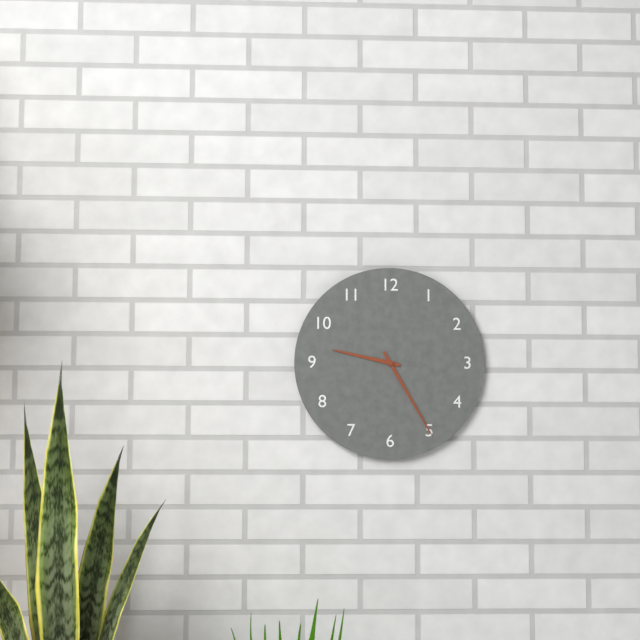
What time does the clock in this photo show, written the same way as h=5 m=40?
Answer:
h=9 m=25
